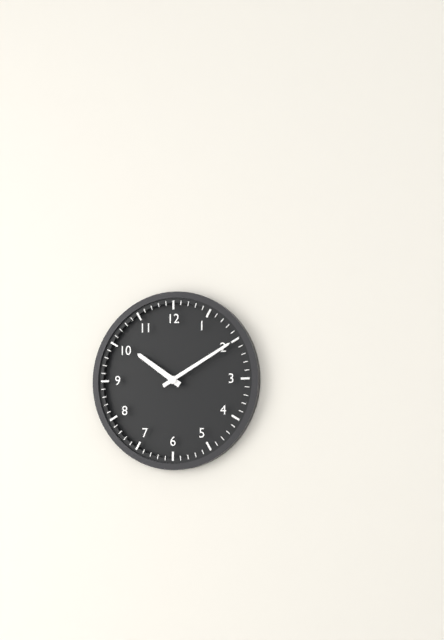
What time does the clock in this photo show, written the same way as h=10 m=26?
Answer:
h=10 m=10
